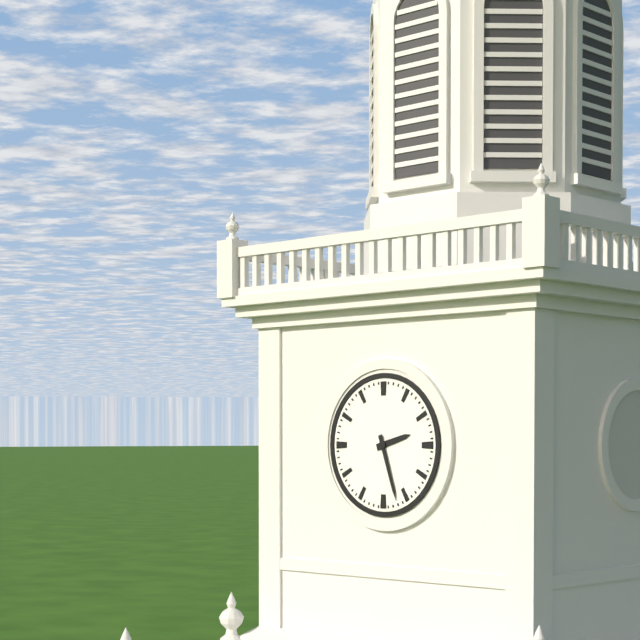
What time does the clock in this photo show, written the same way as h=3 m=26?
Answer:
h=2 m=27
